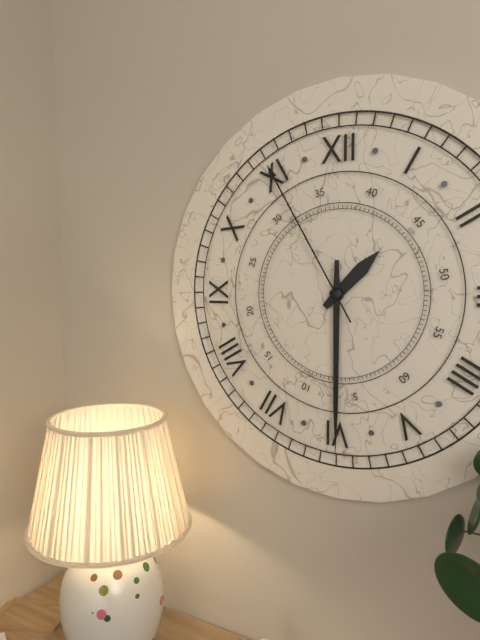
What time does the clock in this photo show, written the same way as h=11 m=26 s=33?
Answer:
h=1 m=30 s=55
